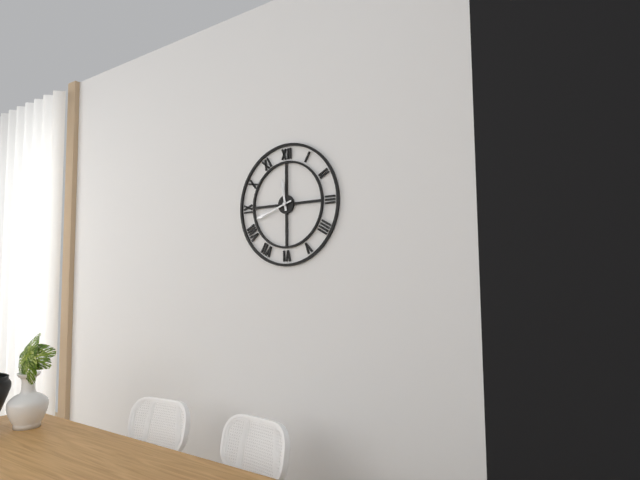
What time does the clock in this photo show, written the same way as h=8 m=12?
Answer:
h=11 m=42
